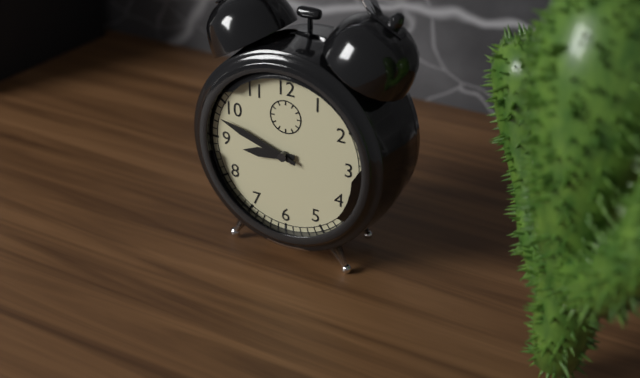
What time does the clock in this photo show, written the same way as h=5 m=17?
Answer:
h=8 m=48
